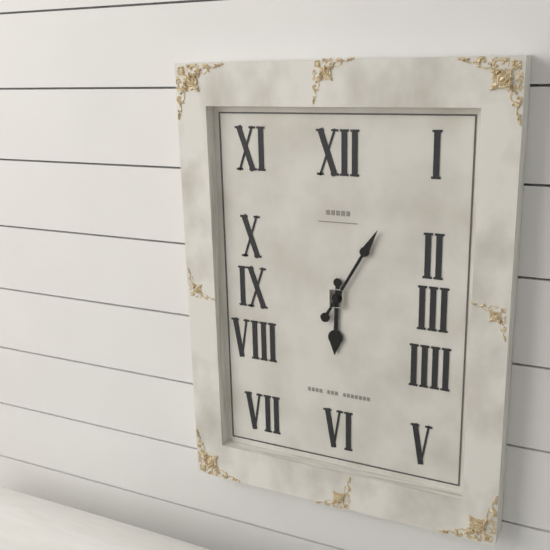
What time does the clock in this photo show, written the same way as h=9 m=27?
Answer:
h=6 m=5
